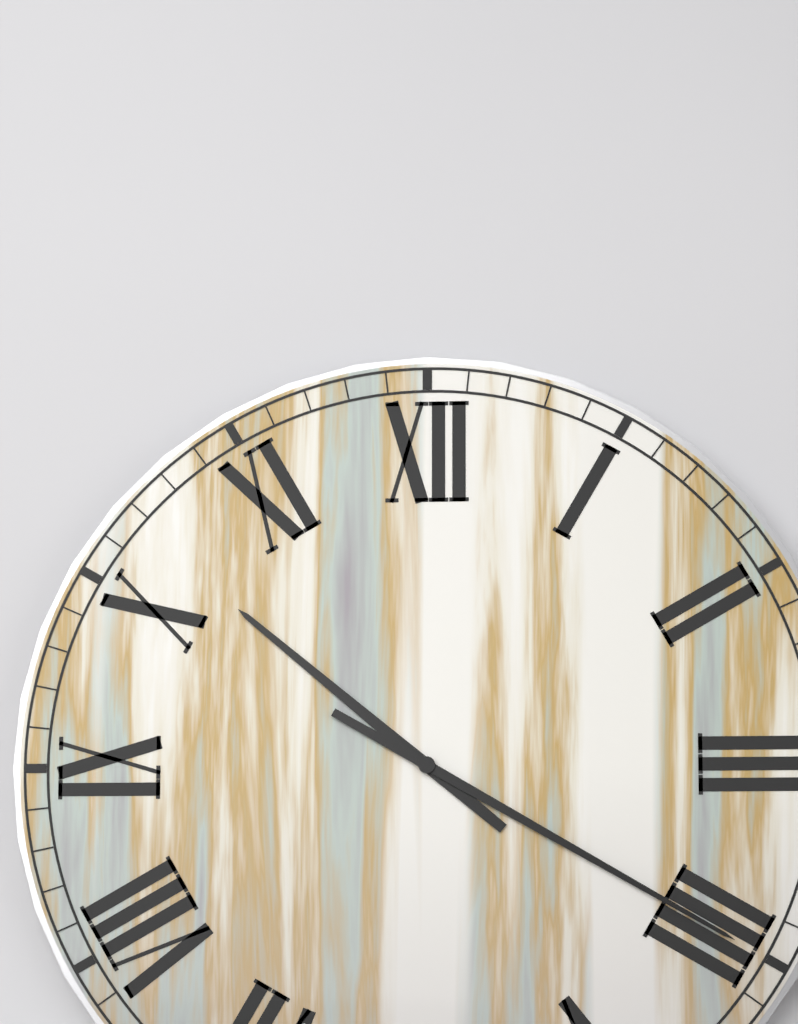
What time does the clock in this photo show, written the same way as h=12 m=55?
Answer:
h=10 m=20
